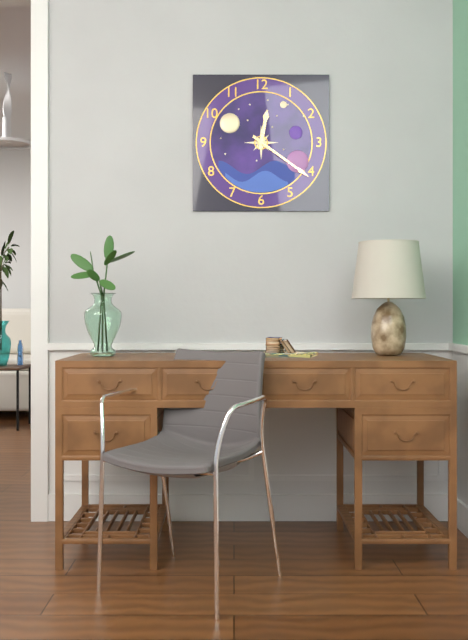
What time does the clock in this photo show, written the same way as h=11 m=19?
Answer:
h=12 m=21
